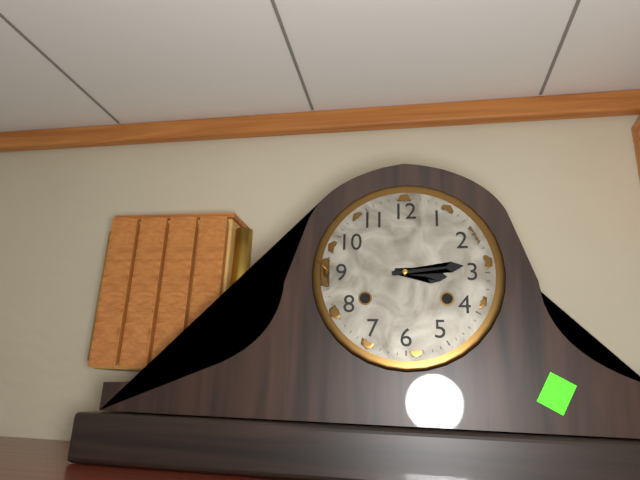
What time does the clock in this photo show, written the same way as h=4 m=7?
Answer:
h=3 m=14
